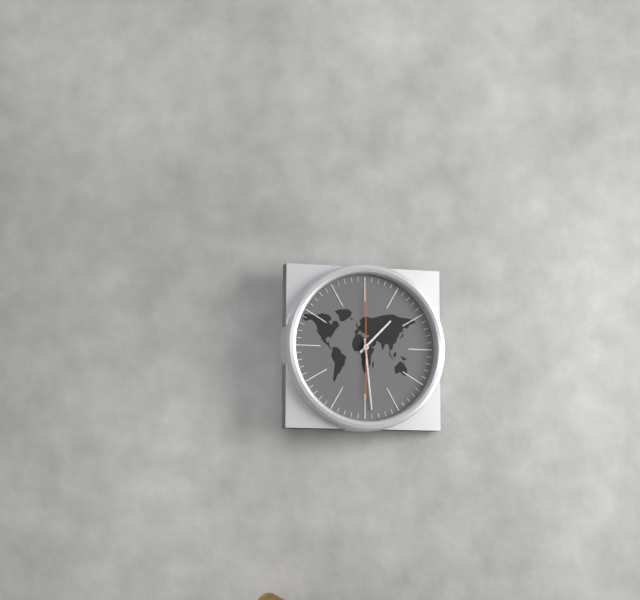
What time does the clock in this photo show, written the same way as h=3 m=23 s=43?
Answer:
h=1 m=29 s=0
